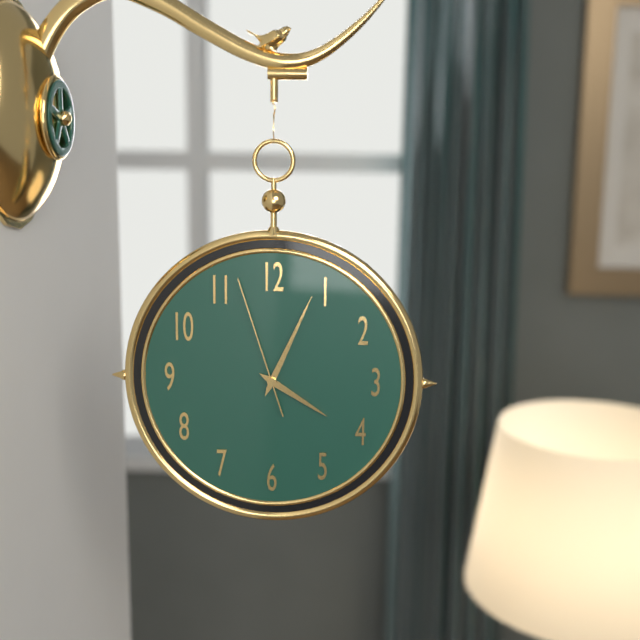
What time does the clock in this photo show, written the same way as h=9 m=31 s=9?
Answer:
h=4 m=4 s=57
